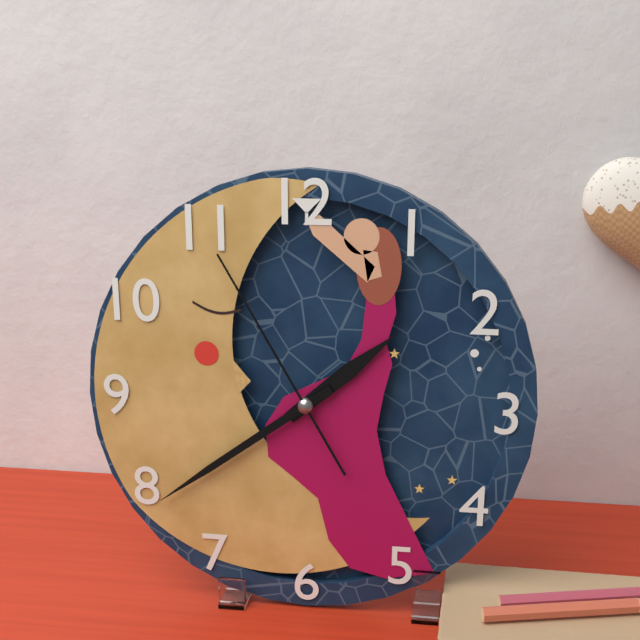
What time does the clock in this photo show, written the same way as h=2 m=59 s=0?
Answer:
h=1 m=39 s=55
